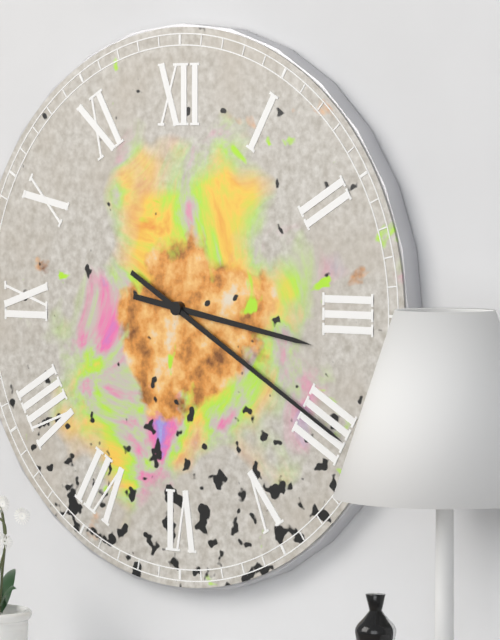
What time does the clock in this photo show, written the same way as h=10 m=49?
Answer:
h=3 m=20
